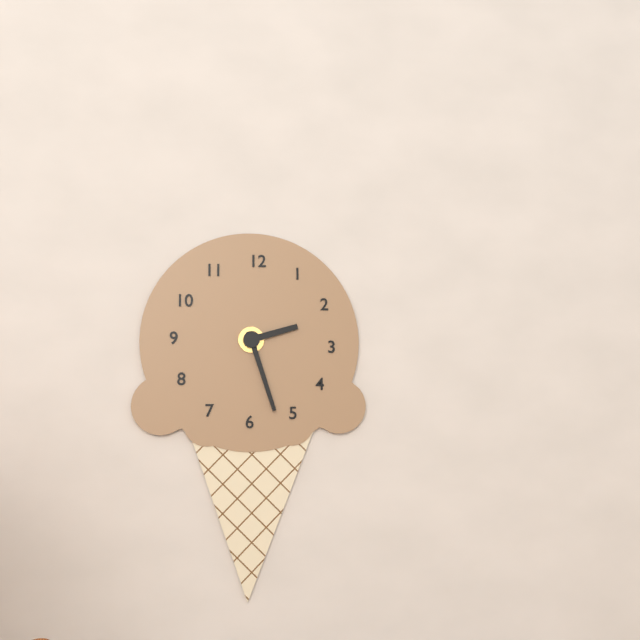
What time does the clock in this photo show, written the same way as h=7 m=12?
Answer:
h=2 m=27
